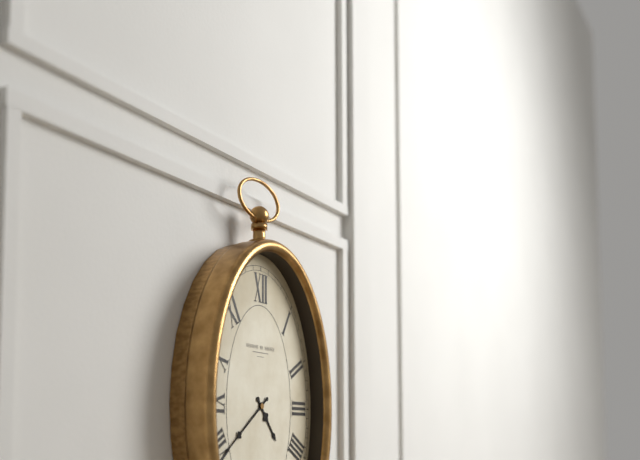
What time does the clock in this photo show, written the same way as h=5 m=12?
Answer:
h=4 m=39
